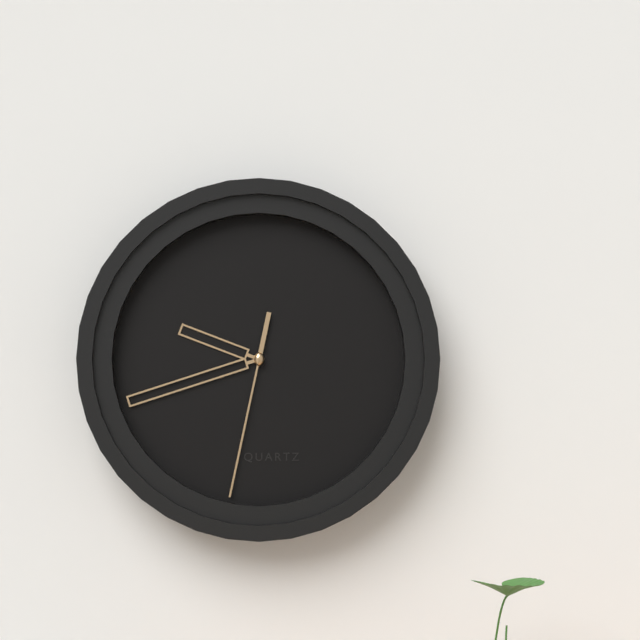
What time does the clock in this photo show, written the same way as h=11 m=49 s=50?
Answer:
h=9 m=42 s=32
